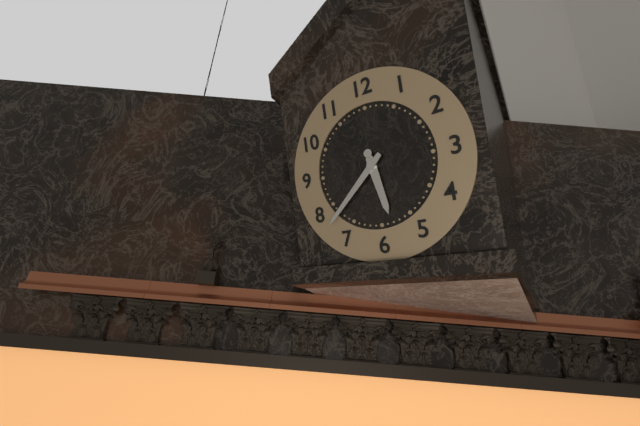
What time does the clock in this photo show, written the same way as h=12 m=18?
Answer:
h=5 m=38
